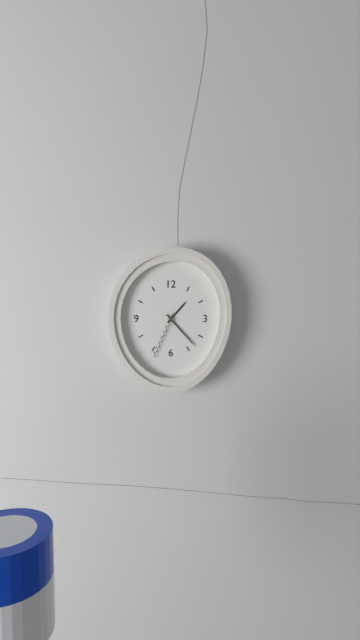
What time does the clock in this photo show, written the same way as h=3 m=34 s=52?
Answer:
h=1 m=23 s=34
